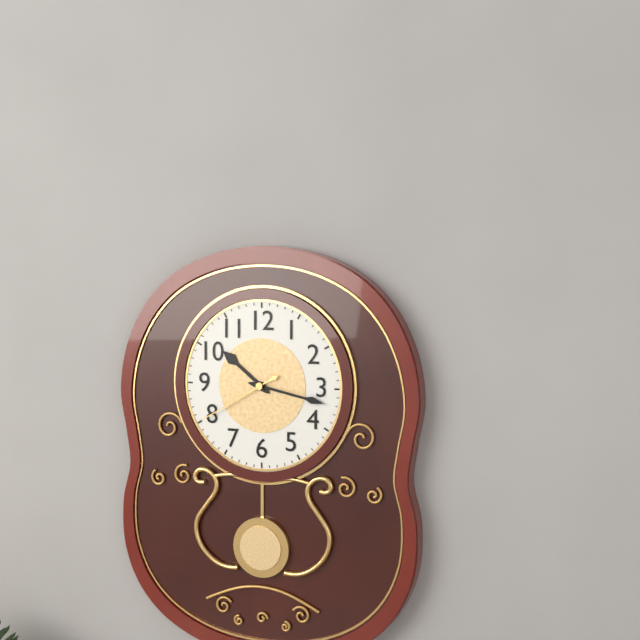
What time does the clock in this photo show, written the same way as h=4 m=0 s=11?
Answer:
h=10 m=17 s=40
